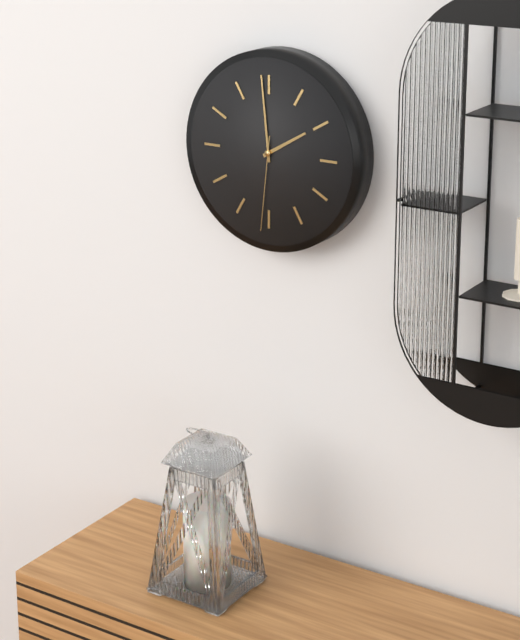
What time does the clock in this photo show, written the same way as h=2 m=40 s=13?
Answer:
h=1 m=59 s=31
